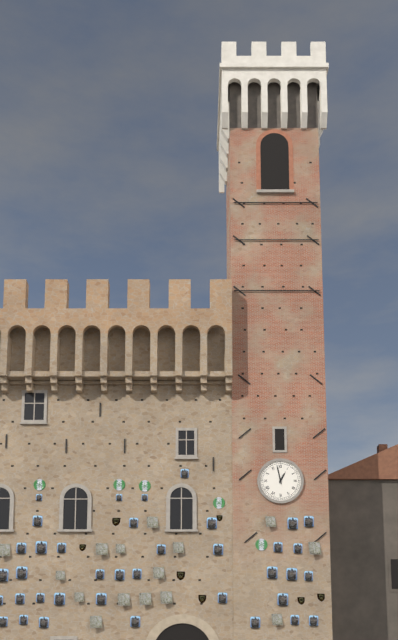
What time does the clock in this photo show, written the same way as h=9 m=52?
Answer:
h=12 m=58
